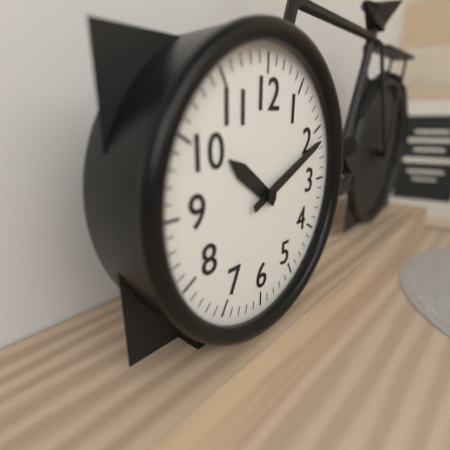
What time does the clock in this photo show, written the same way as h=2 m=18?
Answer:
h=10 m=11
